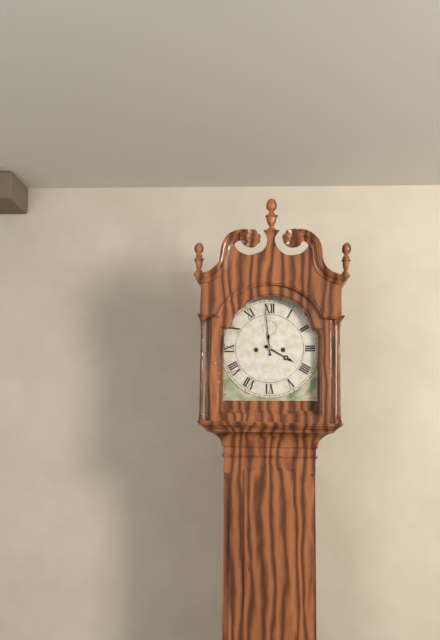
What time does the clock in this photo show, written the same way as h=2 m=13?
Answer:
h=3 m=59
